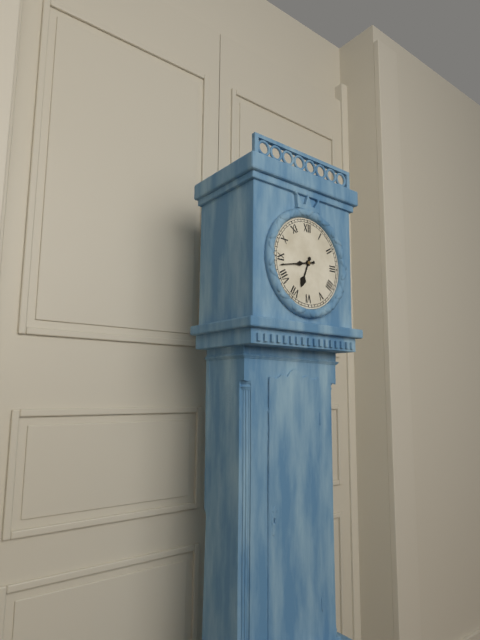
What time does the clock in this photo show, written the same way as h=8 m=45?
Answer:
h=6 m=43
